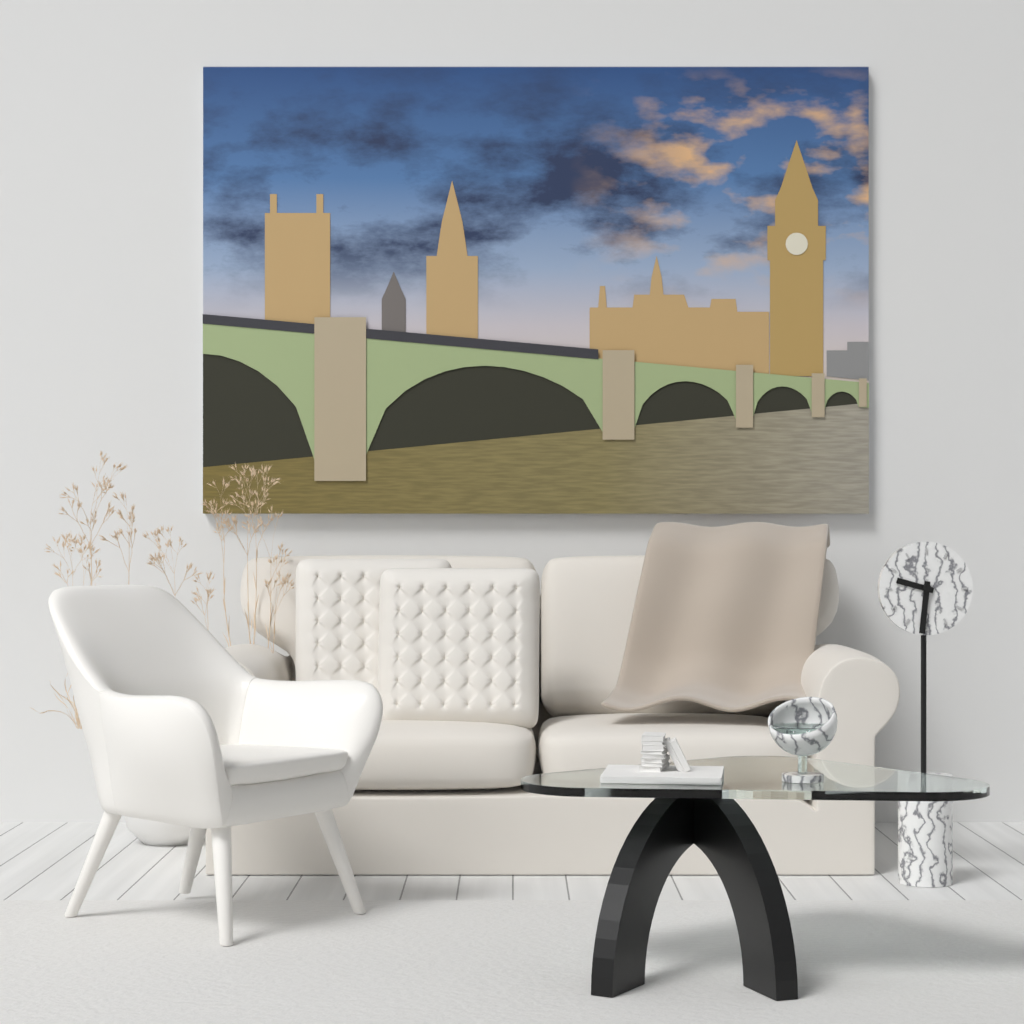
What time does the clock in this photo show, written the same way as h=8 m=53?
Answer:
h=9 m=31
